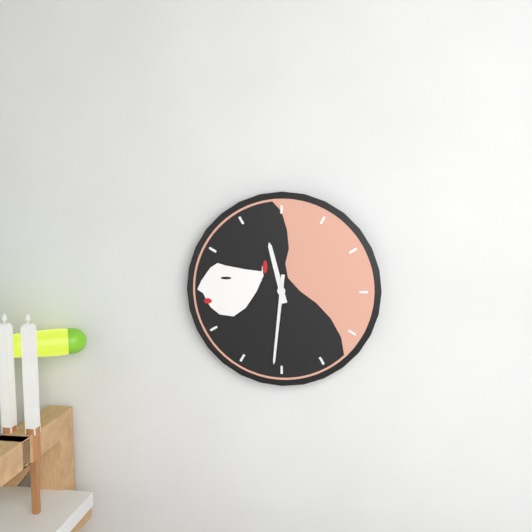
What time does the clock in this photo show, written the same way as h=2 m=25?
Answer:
h=11 m=31
